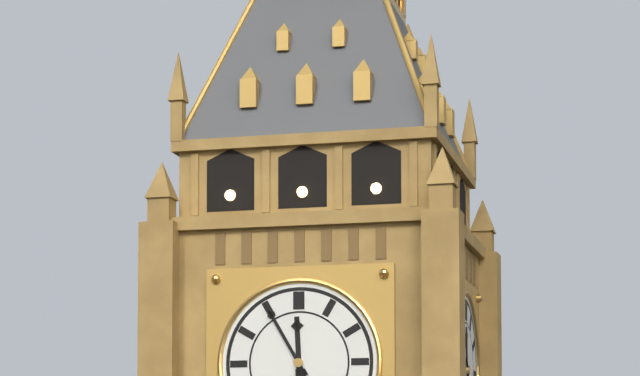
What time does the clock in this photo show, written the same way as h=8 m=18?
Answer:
h=11 m=55
